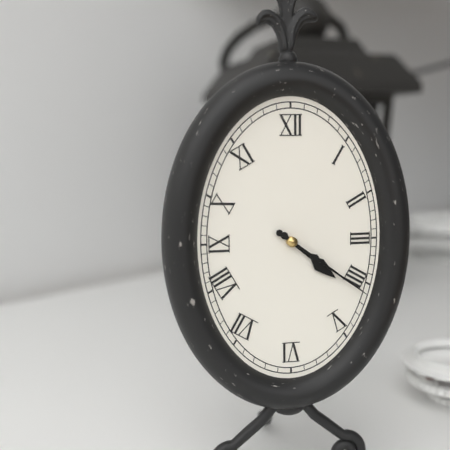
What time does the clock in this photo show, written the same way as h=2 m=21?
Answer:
h=4 m=21
